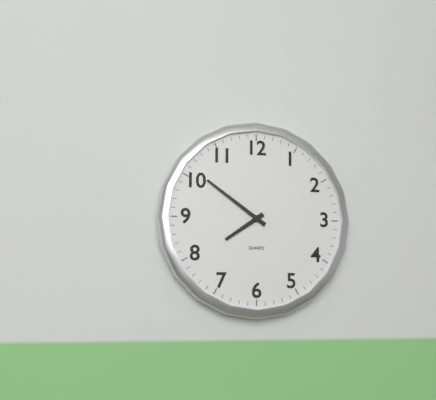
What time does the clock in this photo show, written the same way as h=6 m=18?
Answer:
h=7 m=51
